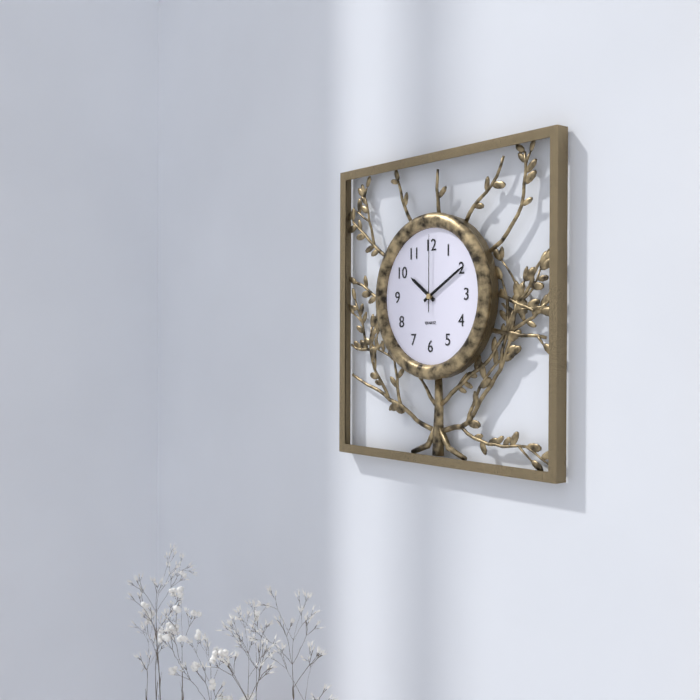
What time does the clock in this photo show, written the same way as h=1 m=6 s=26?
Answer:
h=10 m=10 s=0
